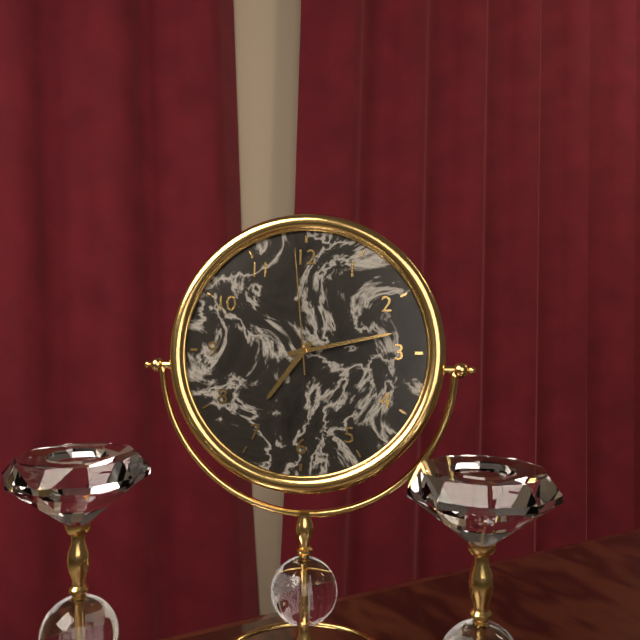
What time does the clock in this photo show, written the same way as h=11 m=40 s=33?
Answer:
h=7 m=13 s=59
